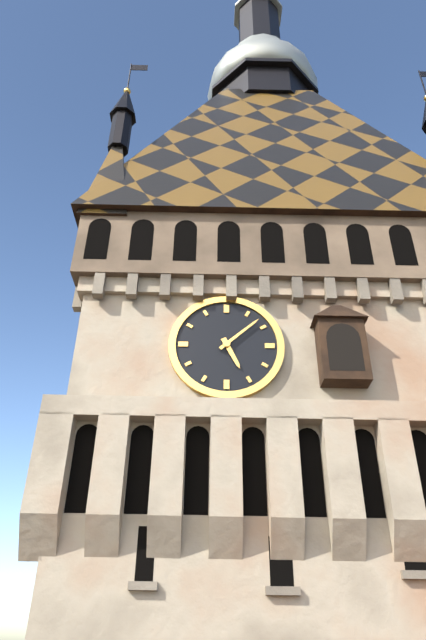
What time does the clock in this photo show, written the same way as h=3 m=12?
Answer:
h=5 m=8
